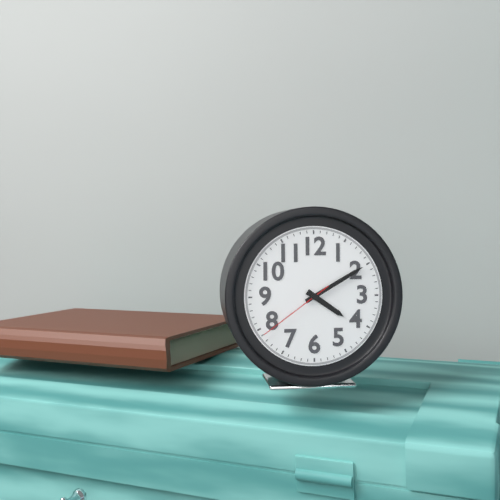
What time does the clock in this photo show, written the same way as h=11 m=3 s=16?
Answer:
h=4 m=10 s=39
